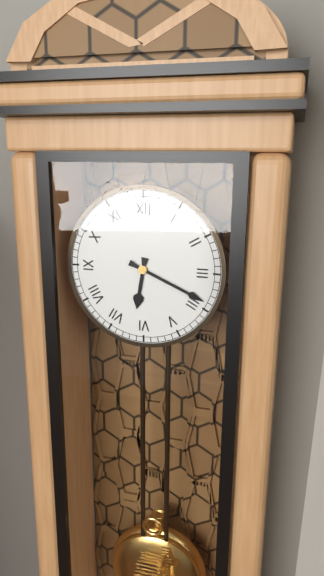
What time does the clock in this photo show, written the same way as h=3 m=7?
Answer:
h=6 m=19
